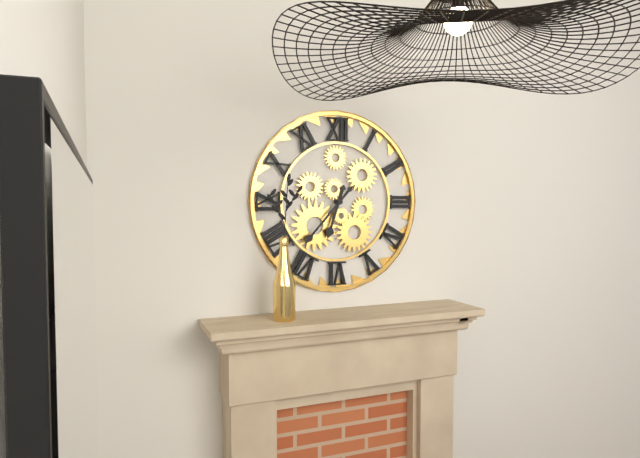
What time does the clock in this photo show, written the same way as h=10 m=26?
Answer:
h=6 m=37
